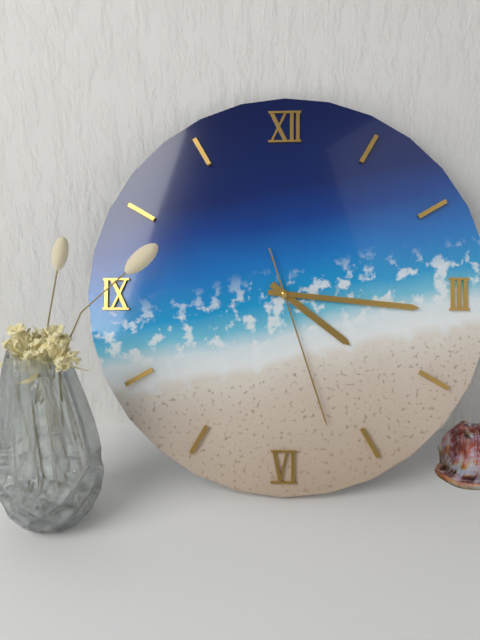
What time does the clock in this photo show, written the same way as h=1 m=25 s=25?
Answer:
h=4 m=16 s=27
